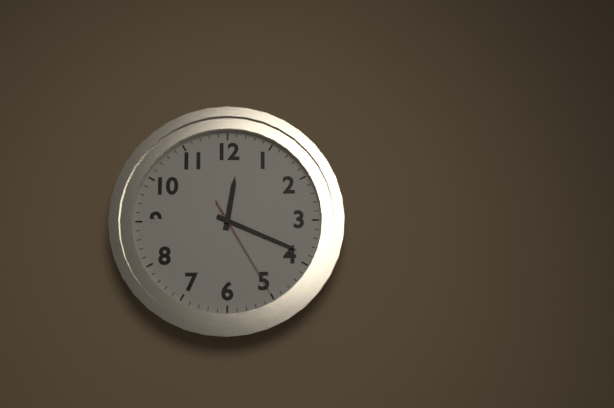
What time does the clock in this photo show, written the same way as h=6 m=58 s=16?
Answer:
h=12 m=19 s=25
